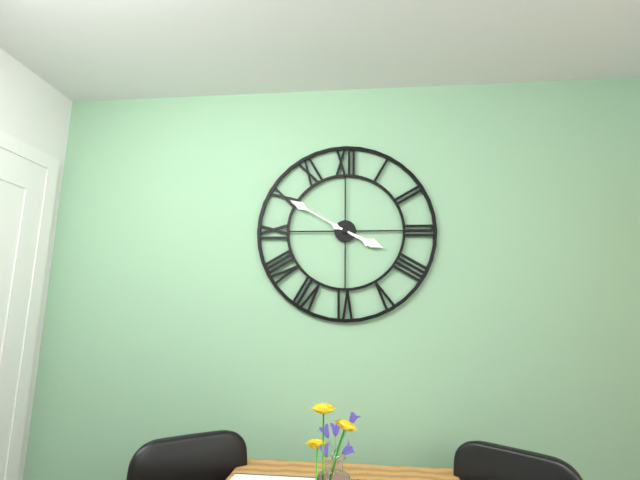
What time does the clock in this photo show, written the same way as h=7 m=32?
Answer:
h=3 m=50
